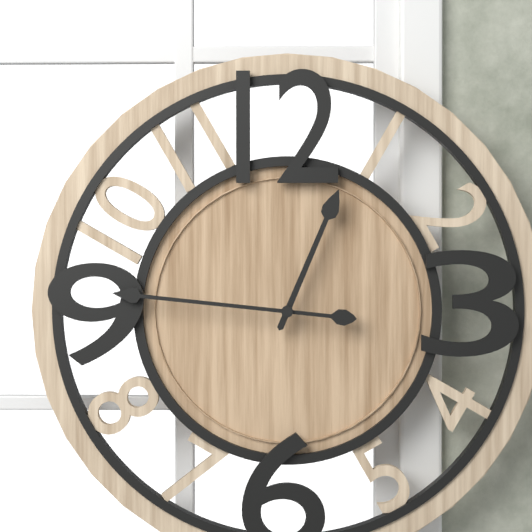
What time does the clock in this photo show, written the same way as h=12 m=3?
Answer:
h=12 m=46
